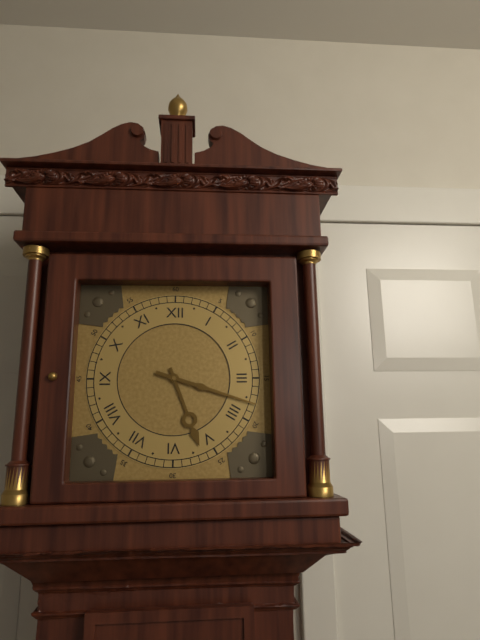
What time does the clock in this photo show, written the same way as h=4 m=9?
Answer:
h=5 m=18
